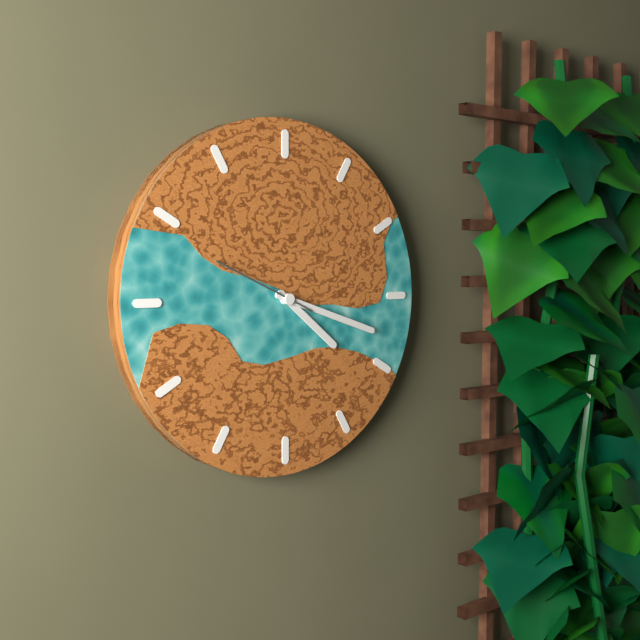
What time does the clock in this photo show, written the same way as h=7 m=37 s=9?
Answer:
h=4 m=18 s=49
